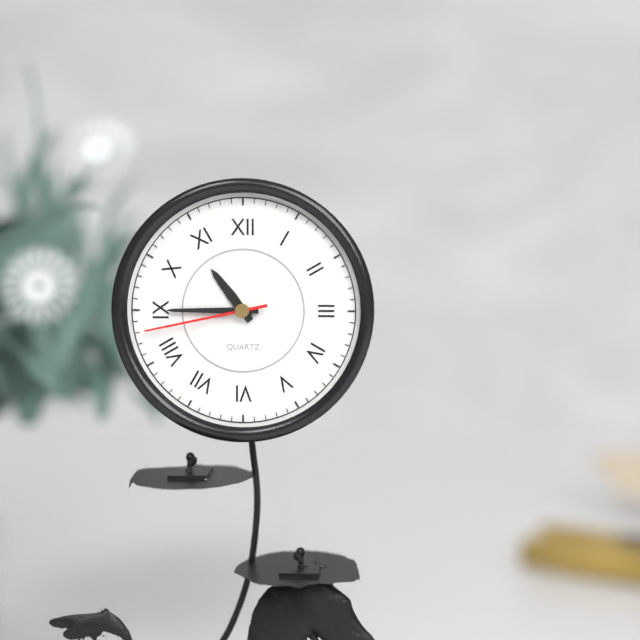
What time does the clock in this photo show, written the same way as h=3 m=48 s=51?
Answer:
h=10 m=45 s=43
